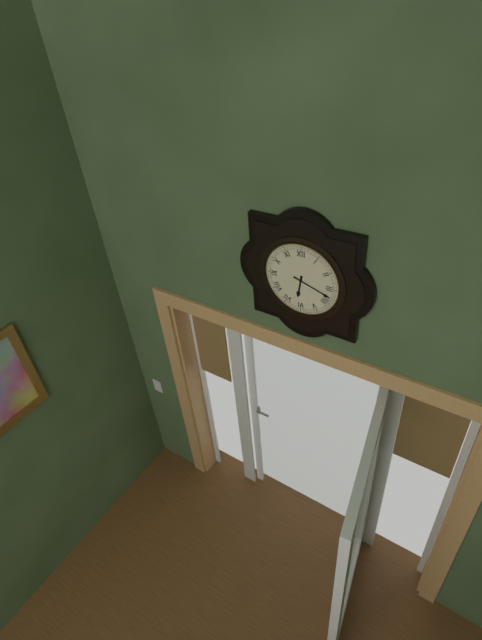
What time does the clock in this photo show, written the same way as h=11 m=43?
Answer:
h=6 m=18
